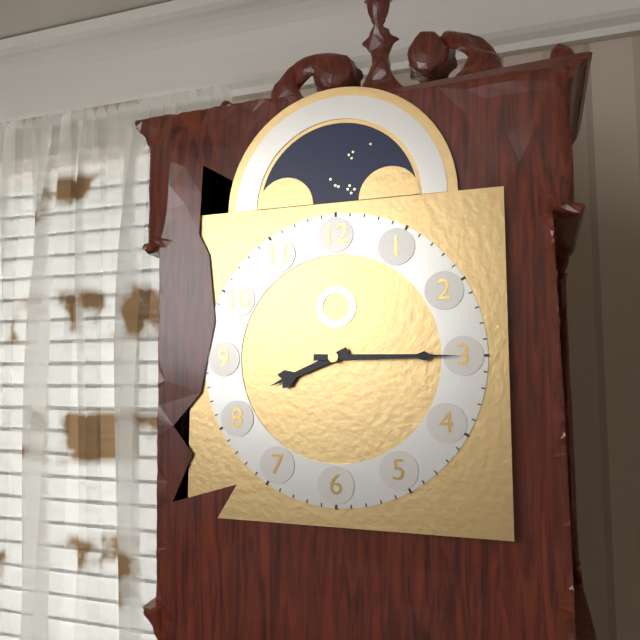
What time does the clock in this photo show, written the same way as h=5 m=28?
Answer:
h=8 m=15
